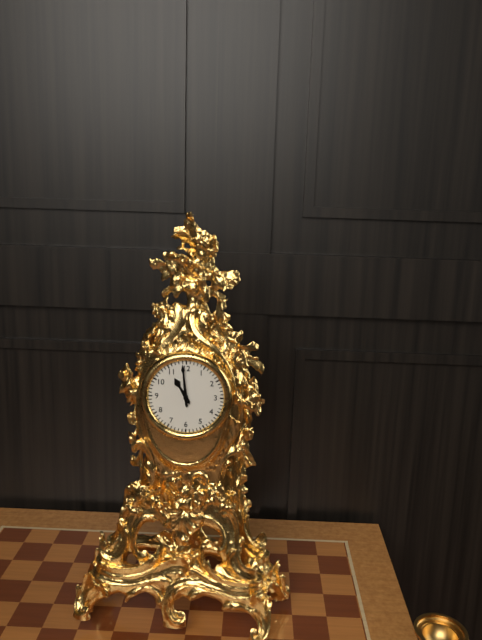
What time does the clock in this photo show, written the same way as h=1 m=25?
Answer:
h=10 m=59
